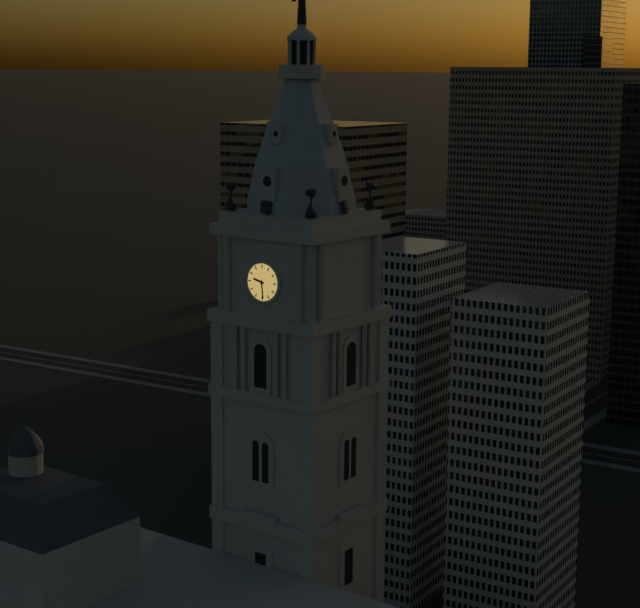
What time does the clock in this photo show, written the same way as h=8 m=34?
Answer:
h=9 m=29
